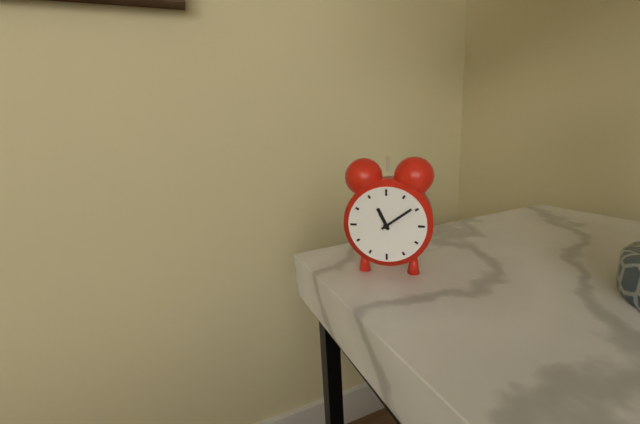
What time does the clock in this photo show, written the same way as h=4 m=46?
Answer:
h=11 m=9
